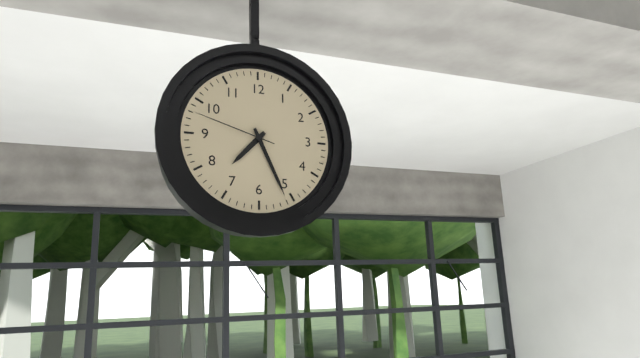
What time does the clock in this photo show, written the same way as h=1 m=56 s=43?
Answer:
h=7 m=26 s=48
